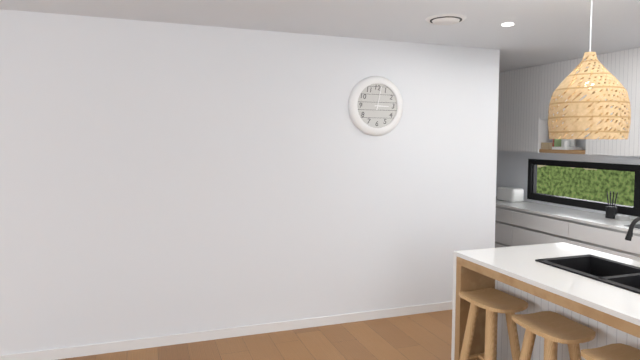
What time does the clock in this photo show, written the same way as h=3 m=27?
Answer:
h=3 m=2
